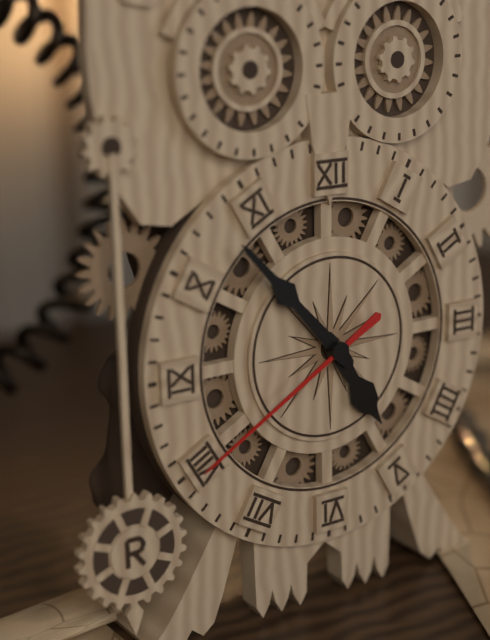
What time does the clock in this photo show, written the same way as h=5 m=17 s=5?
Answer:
h=4 m=53 s=40
